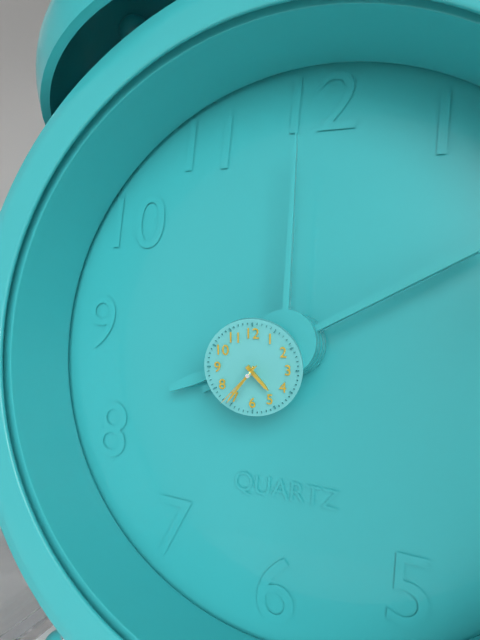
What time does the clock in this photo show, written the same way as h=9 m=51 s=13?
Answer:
h=4 m=36 s=37
